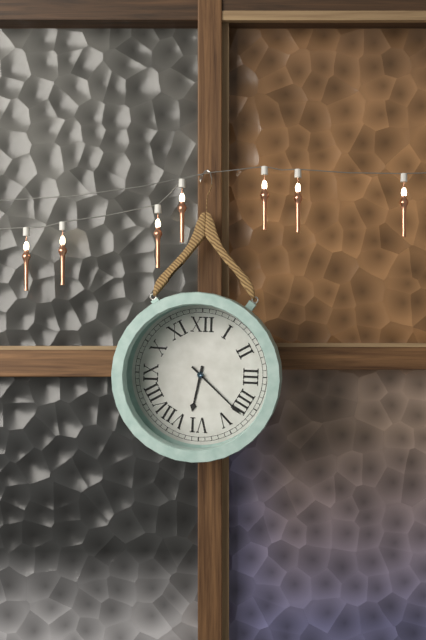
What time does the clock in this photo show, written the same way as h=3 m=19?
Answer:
h=6 m=22
